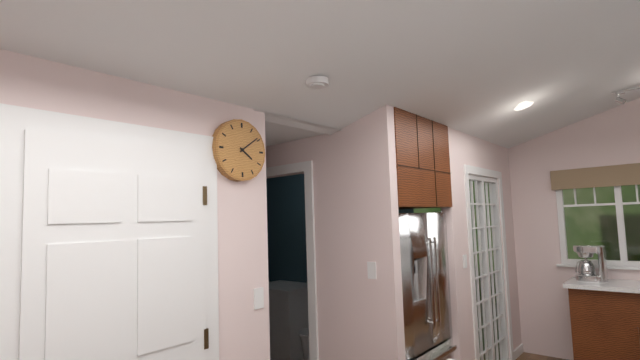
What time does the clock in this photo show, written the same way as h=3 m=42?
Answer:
h=4 m=9
